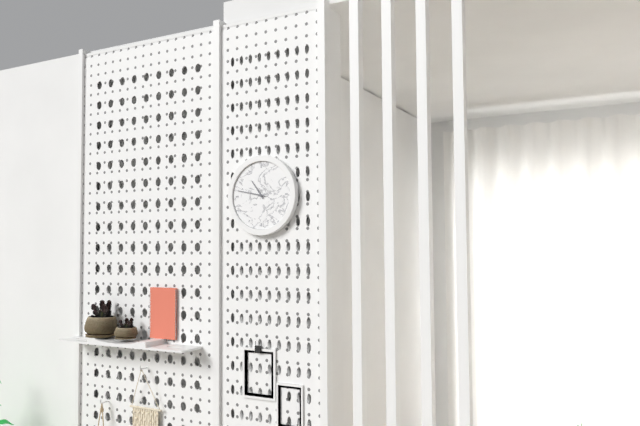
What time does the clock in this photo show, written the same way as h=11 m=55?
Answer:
h=10 m=47
